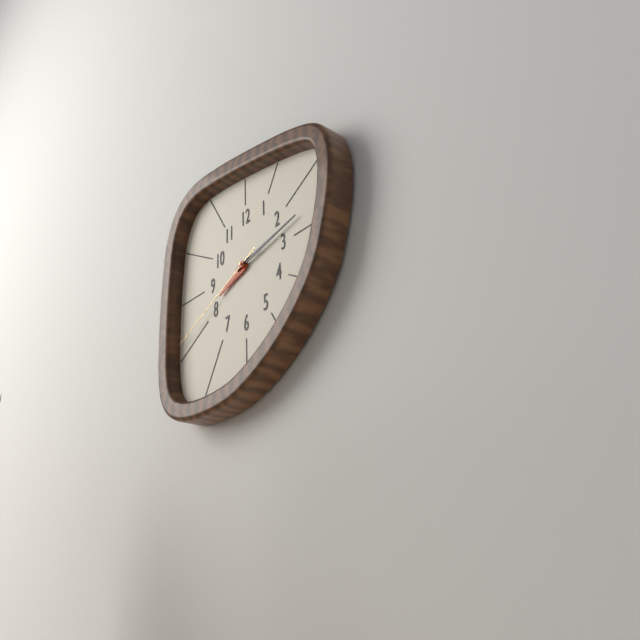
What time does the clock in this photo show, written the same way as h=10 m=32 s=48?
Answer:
h=8 m=13 s=41
